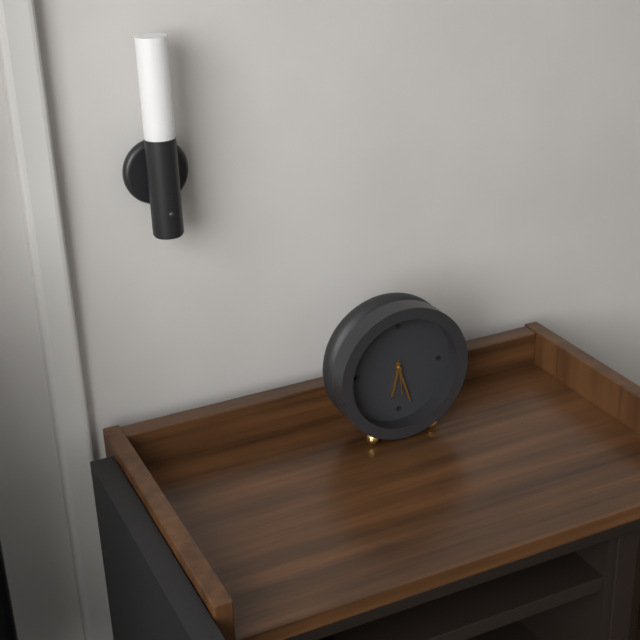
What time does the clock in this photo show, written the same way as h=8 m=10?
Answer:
h=6 m=27
